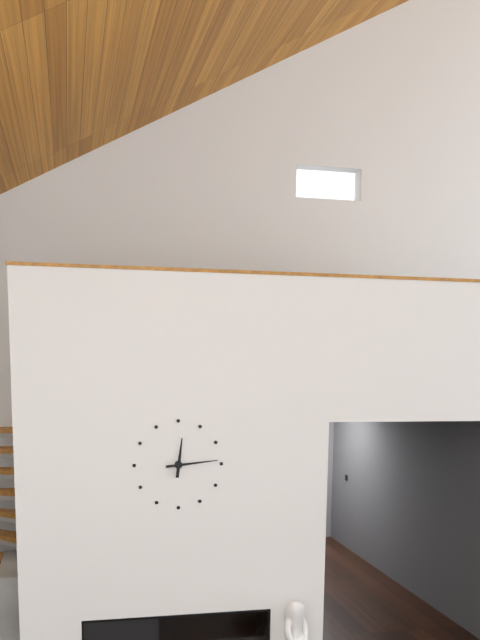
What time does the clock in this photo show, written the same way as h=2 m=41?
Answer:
h=12 m=14
